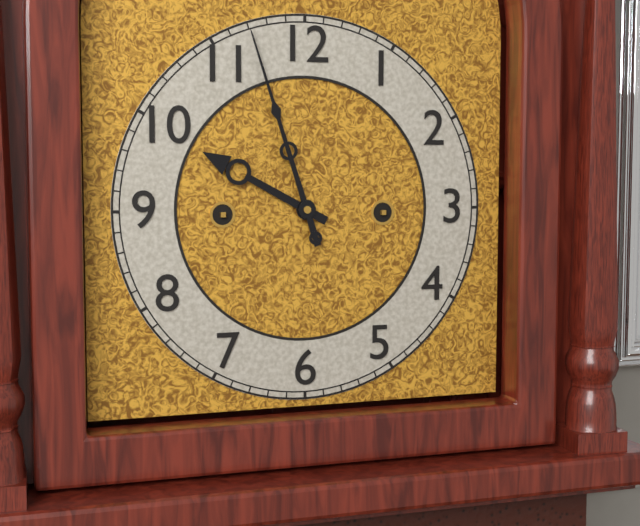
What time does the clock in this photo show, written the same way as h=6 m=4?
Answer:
h=9 m=57
